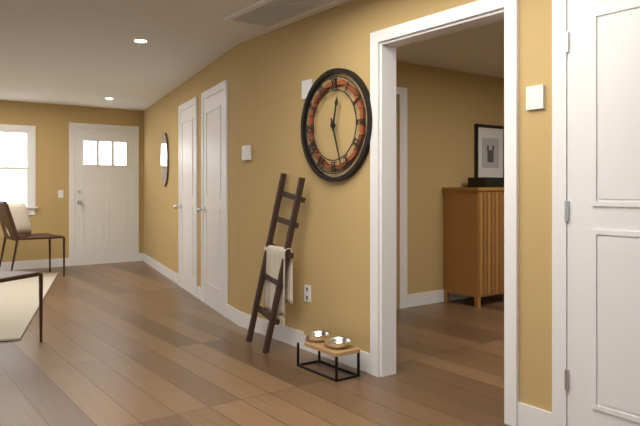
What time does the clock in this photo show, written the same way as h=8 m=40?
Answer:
h=12 m=27
